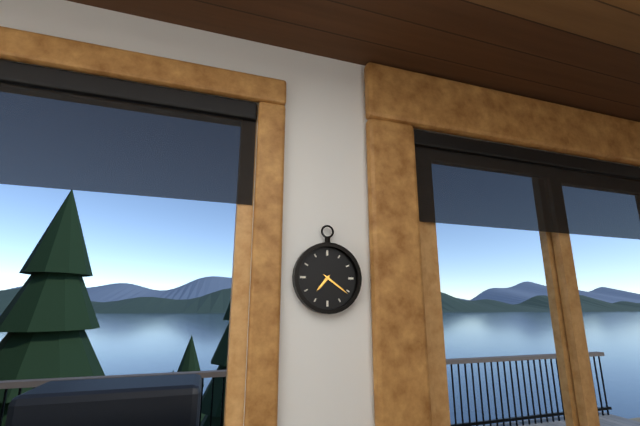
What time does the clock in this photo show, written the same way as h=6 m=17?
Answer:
h=7 m=21
